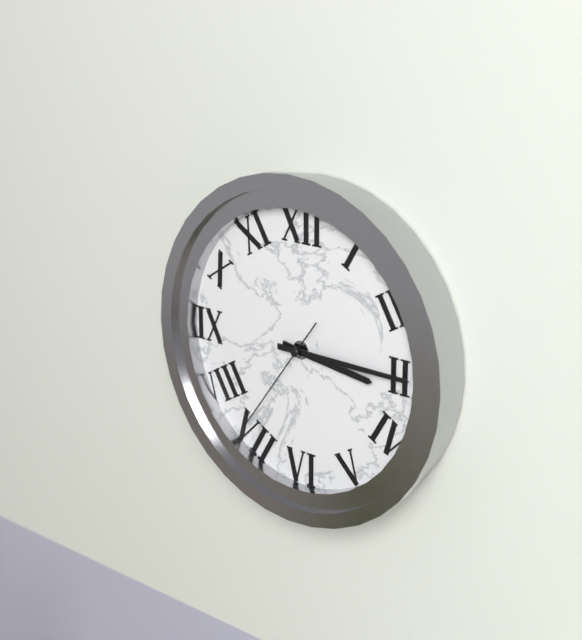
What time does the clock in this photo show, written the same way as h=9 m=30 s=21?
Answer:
h=3 m=15 s=36
